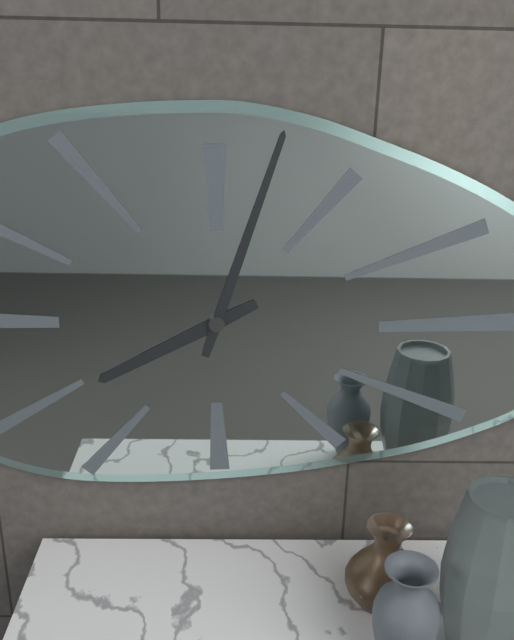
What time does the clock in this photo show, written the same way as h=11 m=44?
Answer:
h=8 m=3
